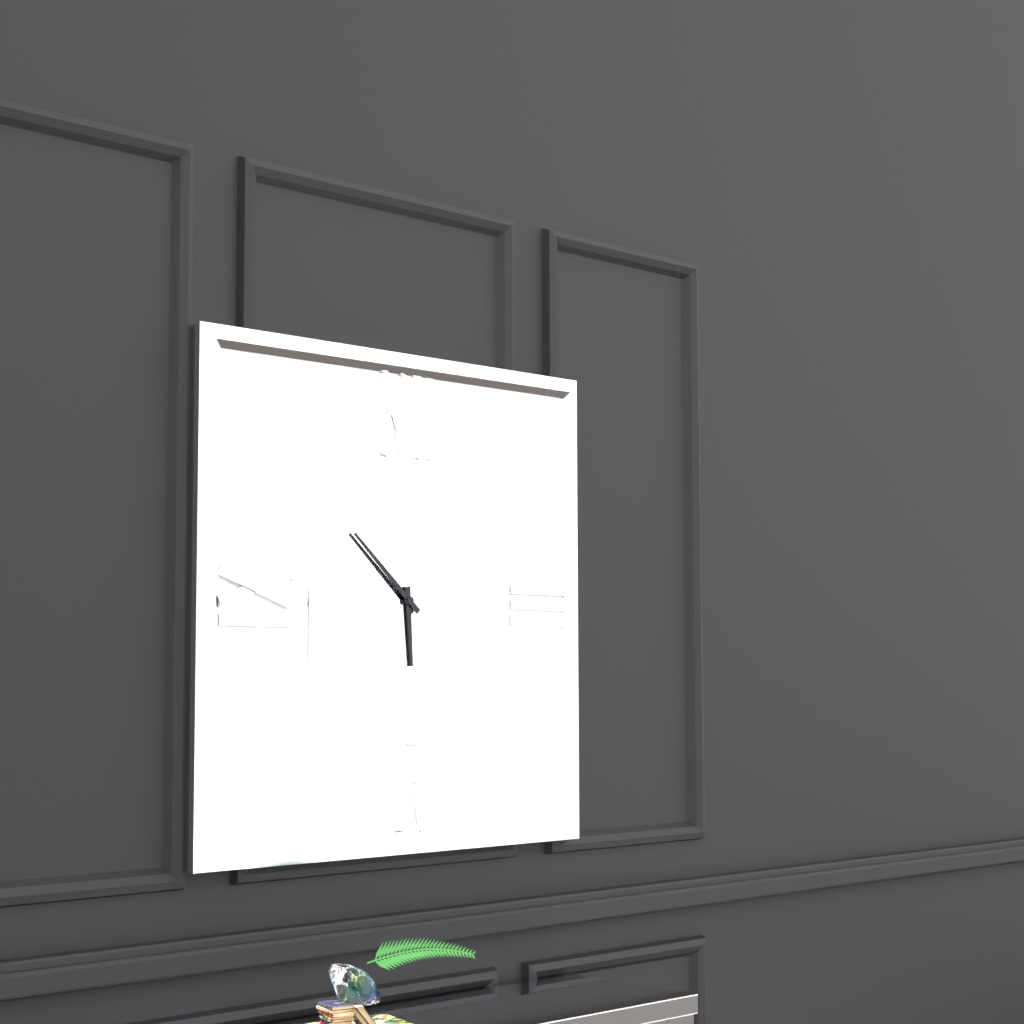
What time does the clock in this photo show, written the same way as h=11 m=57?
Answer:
h=5 m=52
